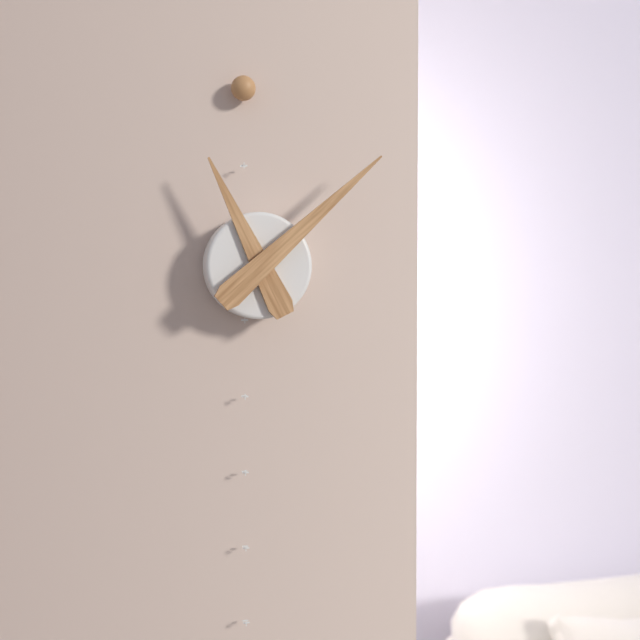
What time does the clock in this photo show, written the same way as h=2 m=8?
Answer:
h=11 m=8
